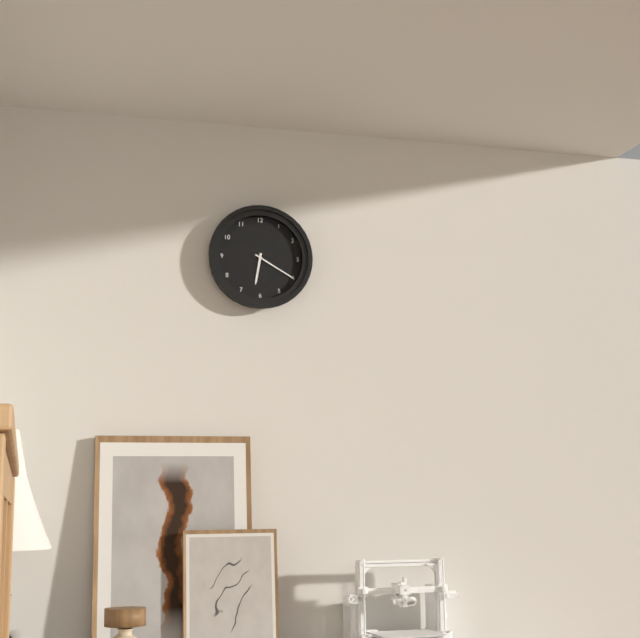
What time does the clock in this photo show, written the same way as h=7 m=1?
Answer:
h=6 m=20
